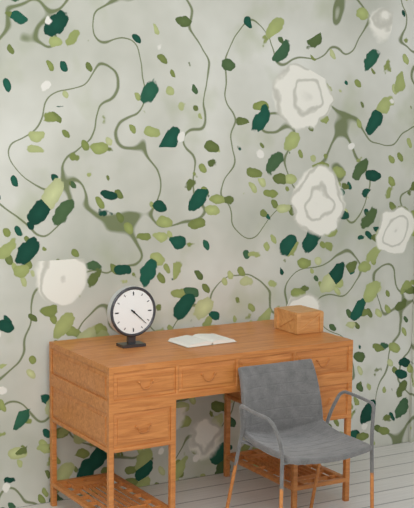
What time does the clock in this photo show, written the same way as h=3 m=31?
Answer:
h=4 m=22
